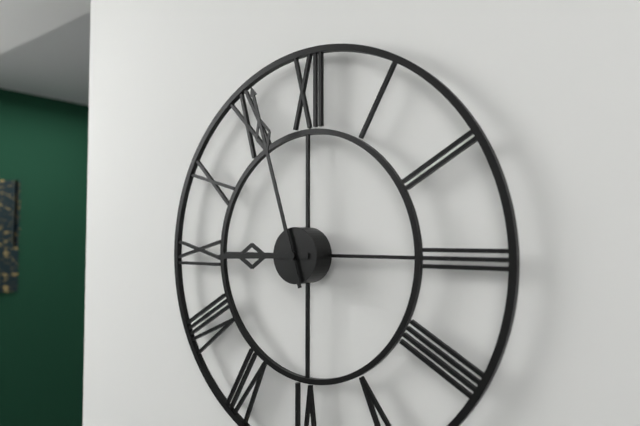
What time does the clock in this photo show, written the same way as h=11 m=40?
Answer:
h=8 m=57
